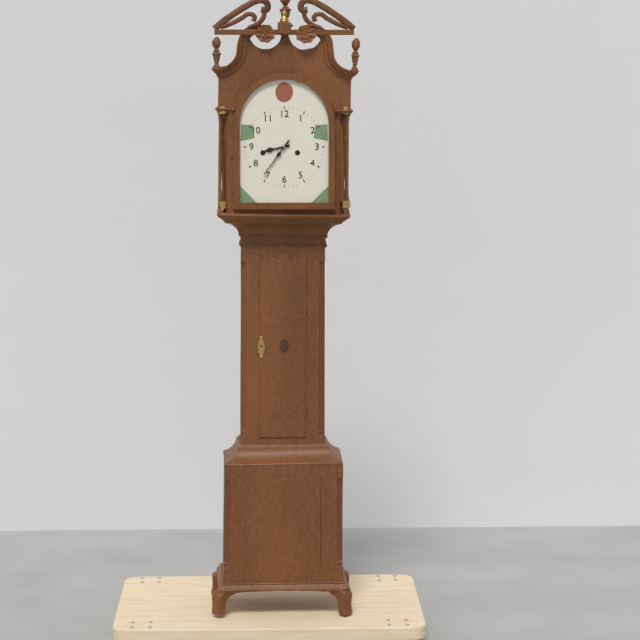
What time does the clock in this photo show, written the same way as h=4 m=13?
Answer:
h=8 m=36
